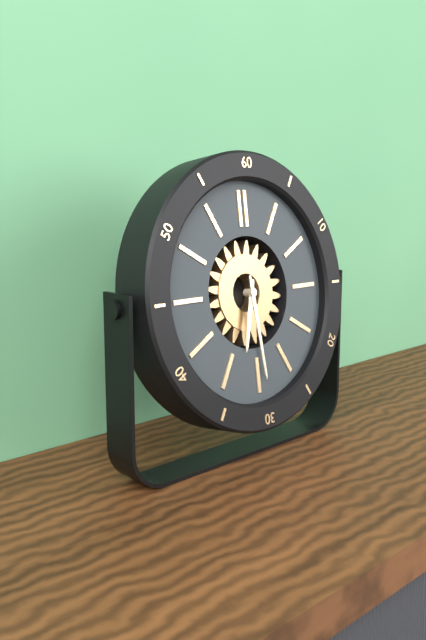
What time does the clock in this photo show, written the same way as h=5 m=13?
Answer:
h=6 m=29
